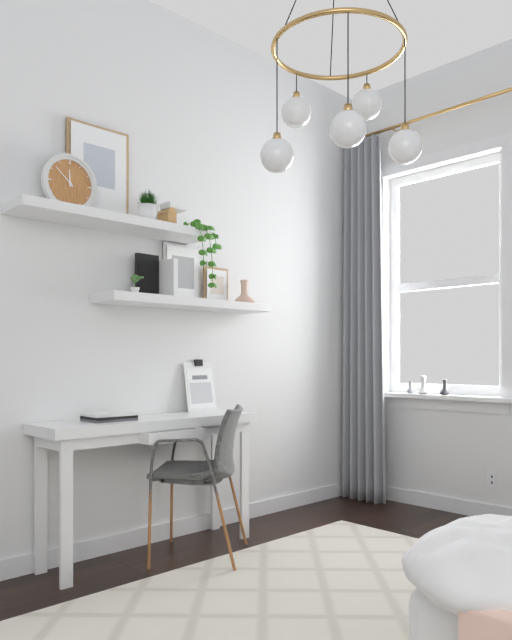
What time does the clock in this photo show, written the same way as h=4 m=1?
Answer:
h=11 m=52
